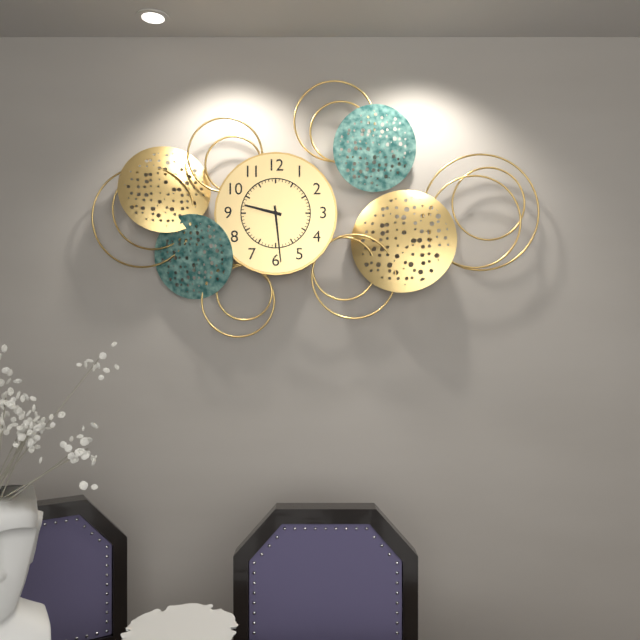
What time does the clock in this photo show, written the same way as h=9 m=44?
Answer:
h=9 m=29
